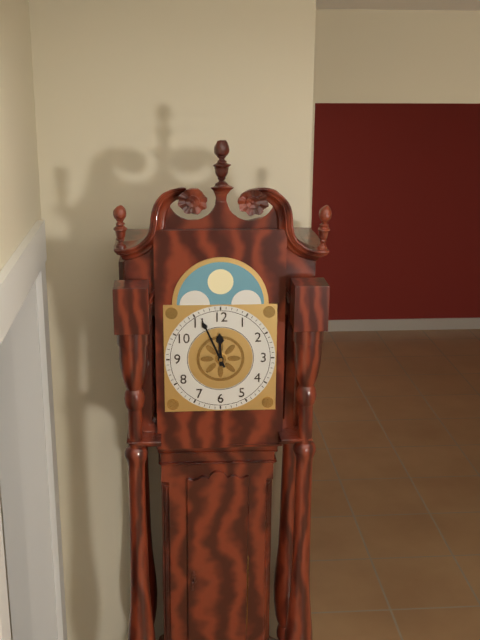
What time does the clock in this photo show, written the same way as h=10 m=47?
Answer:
h=11 m=56
